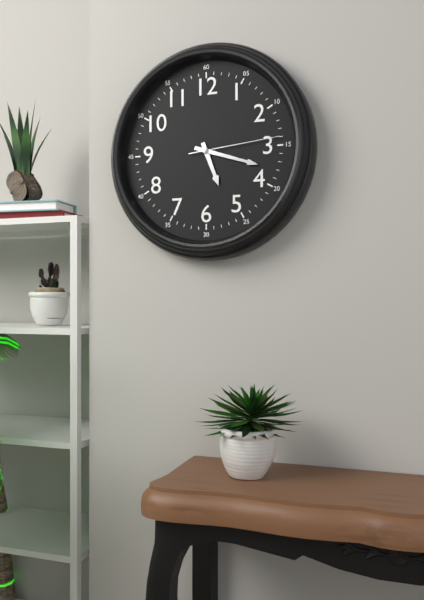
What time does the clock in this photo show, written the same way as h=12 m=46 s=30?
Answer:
h=5 m=18 s=14
